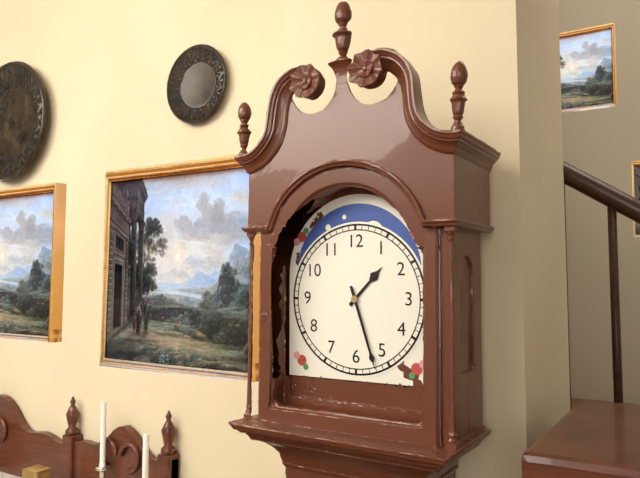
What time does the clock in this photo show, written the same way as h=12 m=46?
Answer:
h=1 m=27
